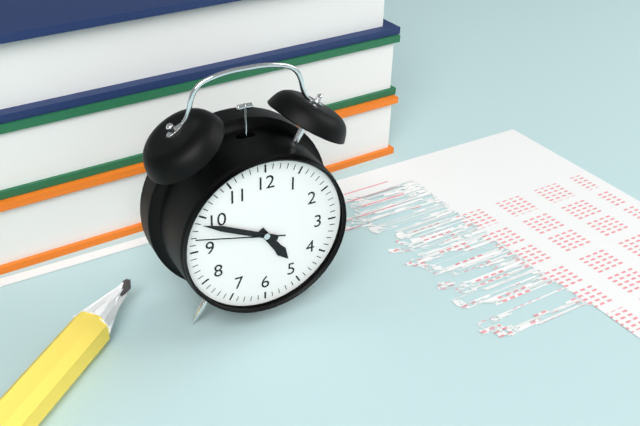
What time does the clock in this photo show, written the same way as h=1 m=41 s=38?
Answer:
h=4 m=49 s=47
